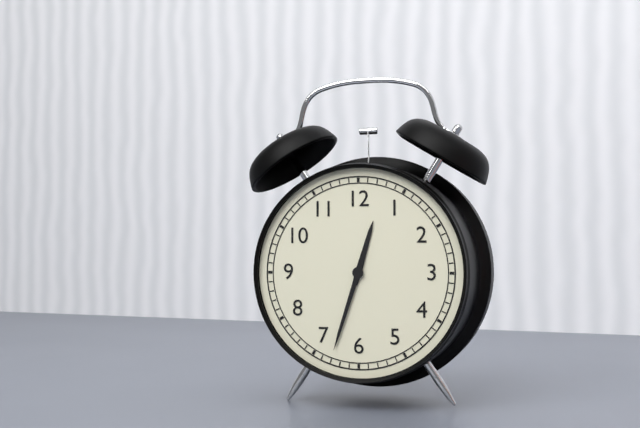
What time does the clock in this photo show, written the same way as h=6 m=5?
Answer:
h=12 m=33
